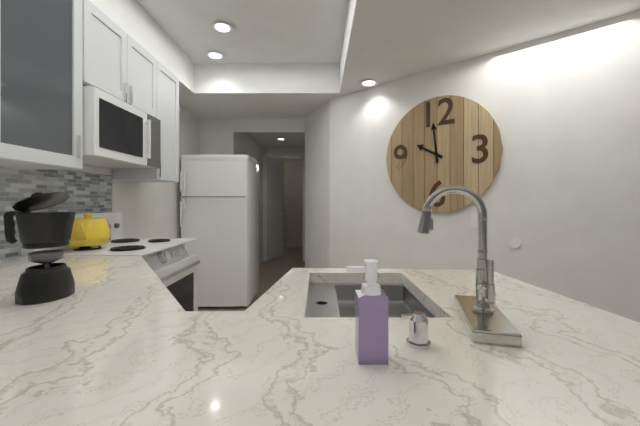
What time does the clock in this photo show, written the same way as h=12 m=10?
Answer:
h=9 m=59
